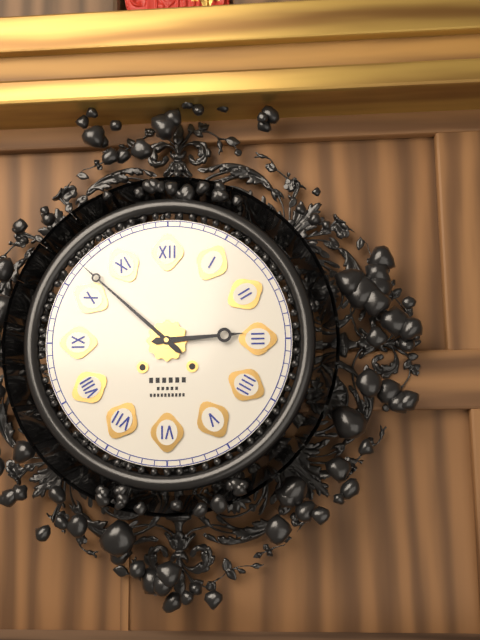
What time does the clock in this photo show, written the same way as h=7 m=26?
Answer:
h=2 m=52
